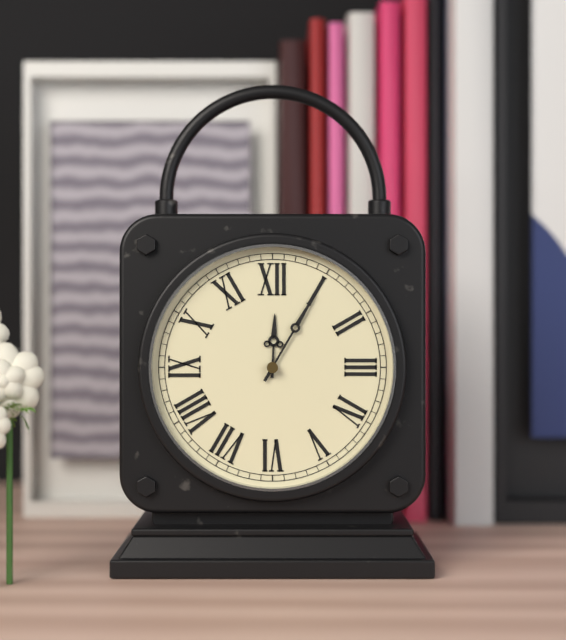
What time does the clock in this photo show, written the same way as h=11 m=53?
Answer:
h=12 m=5
